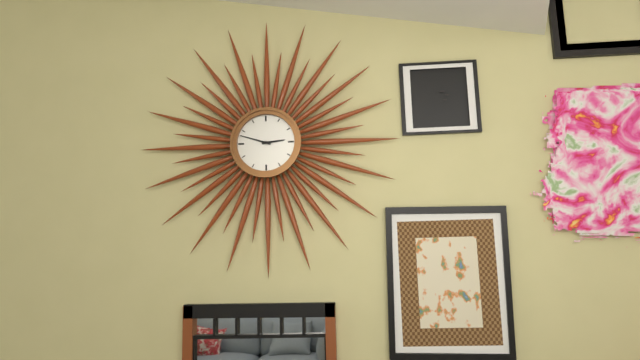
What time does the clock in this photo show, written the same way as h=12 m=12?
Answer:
h=2 m=48
